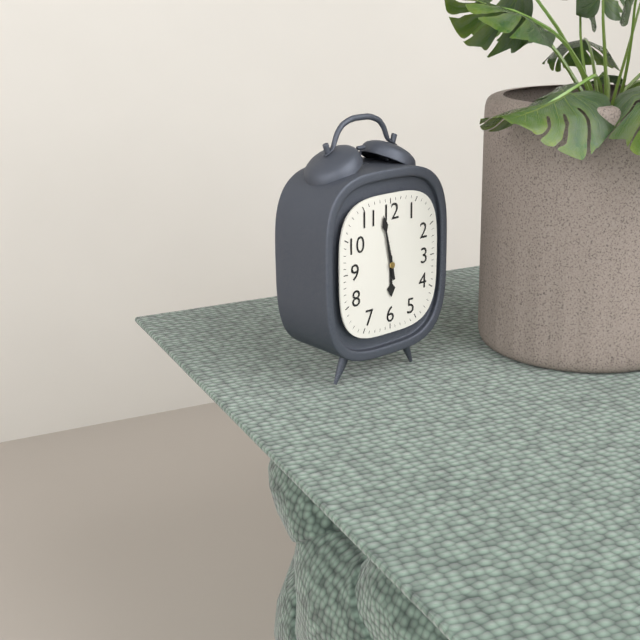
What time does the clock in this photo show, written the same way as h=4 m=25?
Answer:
h=5 m=58
